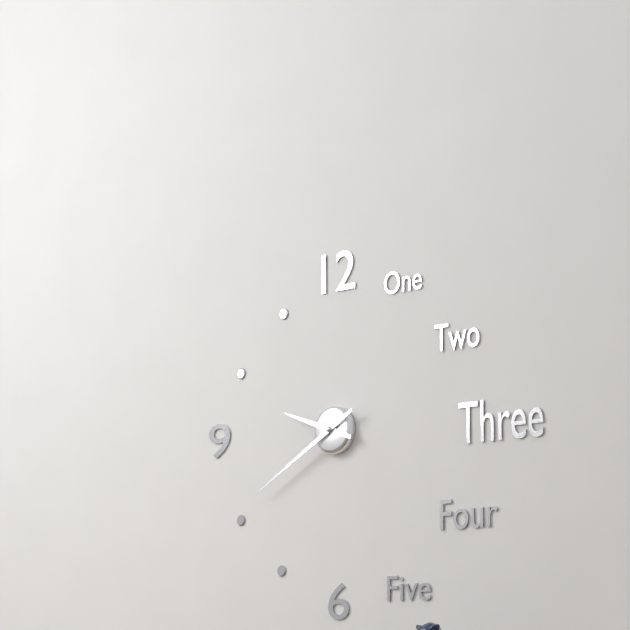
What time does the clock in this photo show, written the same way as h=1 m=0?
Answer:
h=9 m=40
